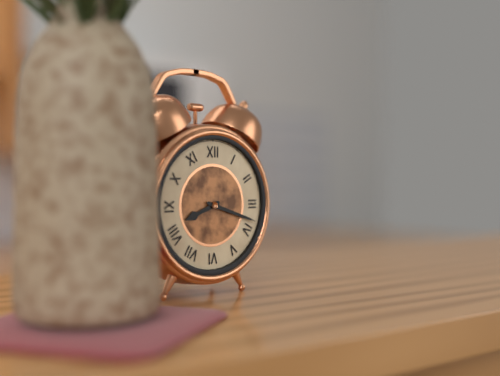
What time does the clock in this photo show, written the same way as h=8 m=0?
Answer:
h=8 m=18
